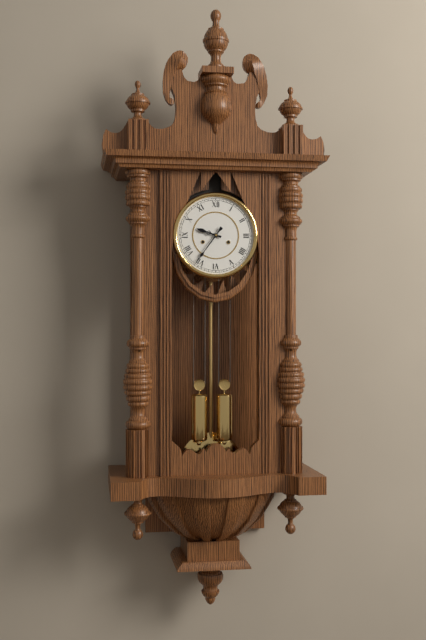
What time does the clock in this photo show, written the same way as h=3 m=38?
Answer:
h=9 m=36
